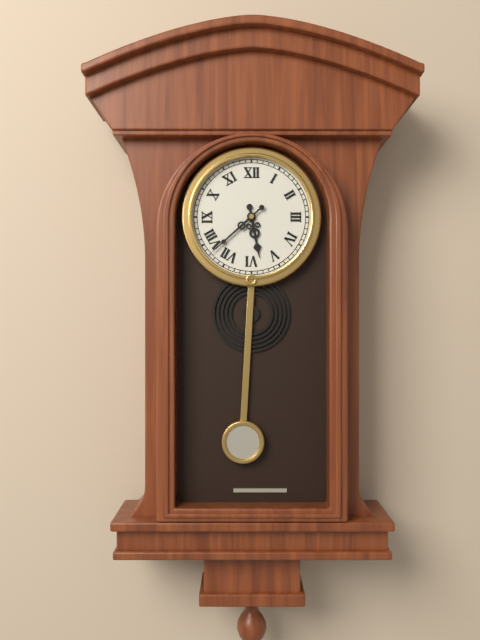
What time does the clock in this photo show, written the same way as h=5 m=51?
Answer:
h=5 m=38
